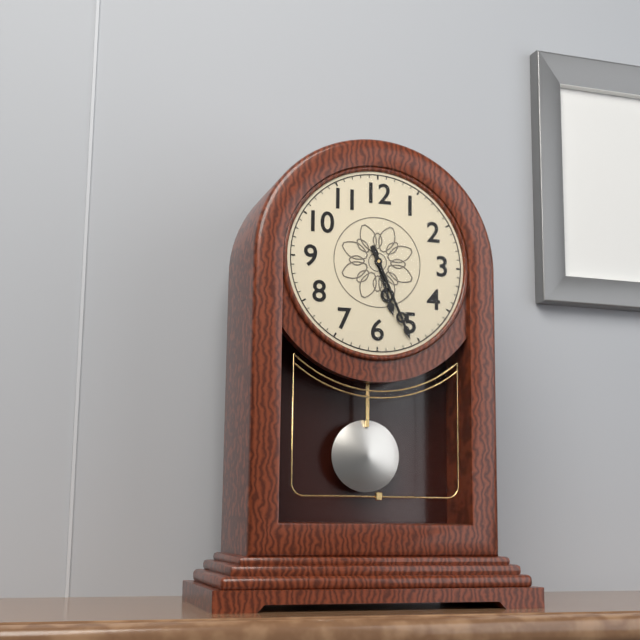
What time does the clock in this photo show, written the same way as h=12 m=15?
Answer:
h=5 m=26
